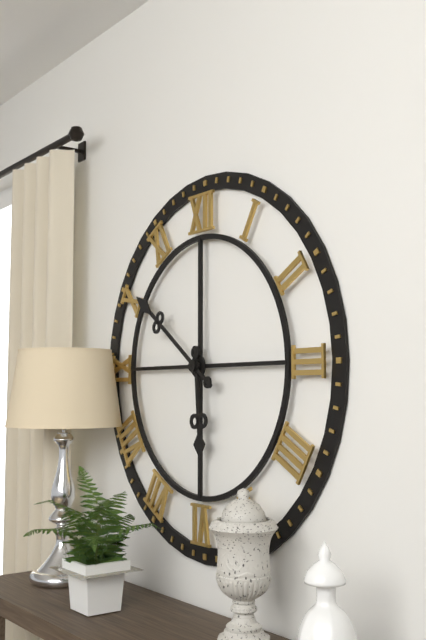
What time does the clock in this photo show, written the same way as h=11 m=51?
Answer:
h=5 m=51
